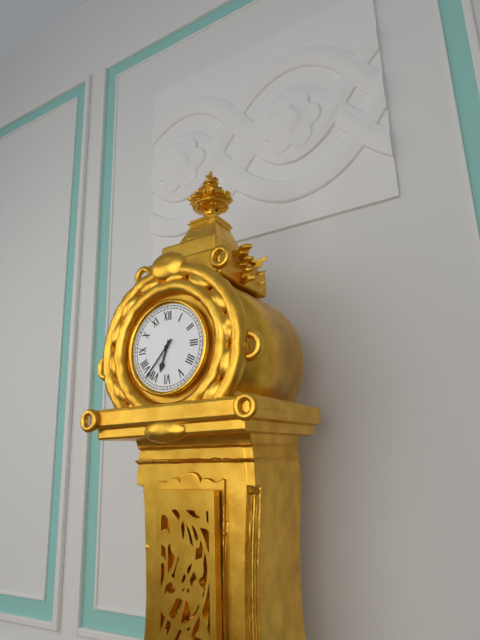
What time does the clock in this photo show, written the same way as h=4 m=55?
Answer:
h=6 m=37
